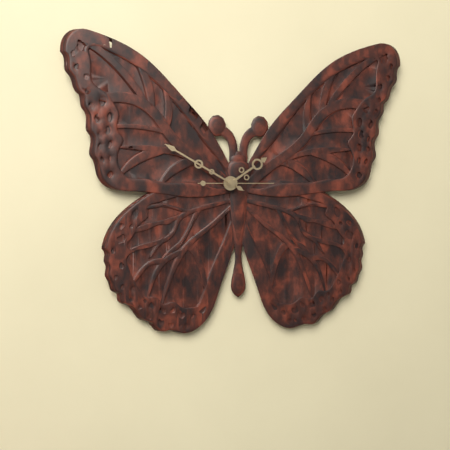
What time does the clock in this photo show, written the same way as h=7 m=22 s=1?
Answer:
h=1 m=50 s=15
